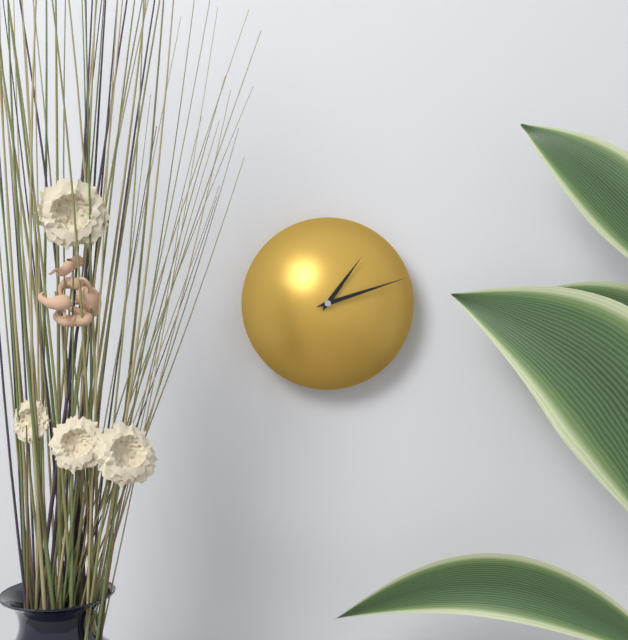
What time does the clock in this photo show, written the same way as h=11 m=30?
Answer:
h=1 m=12
